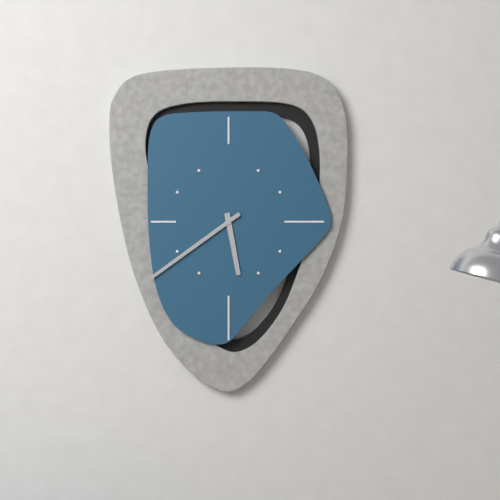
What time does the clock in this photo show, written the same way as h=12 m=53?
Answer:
h=5 m=39
